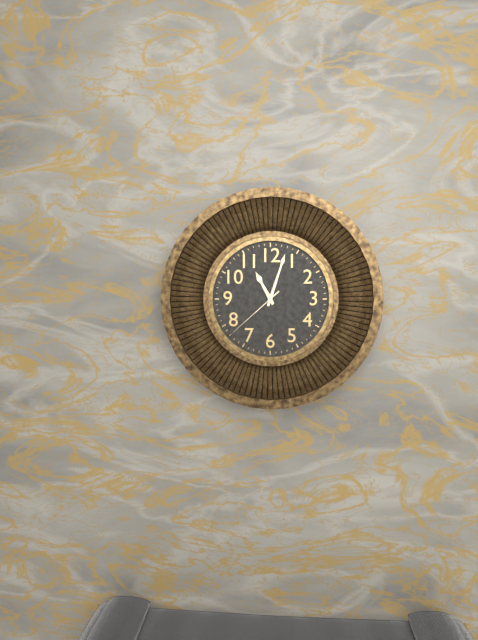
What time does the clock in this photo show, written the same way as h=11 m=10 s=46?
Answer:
h=11 m=3 s=38
